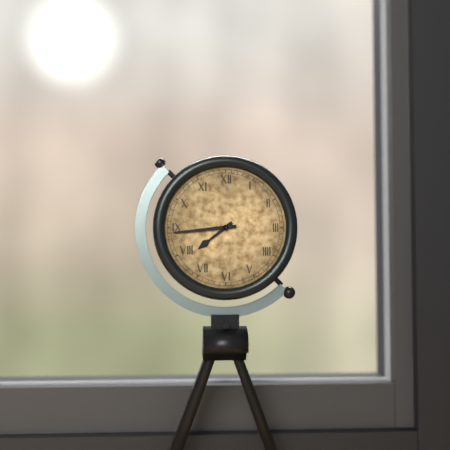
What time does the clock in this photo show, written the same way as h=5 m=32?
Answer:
h=7 m=44
